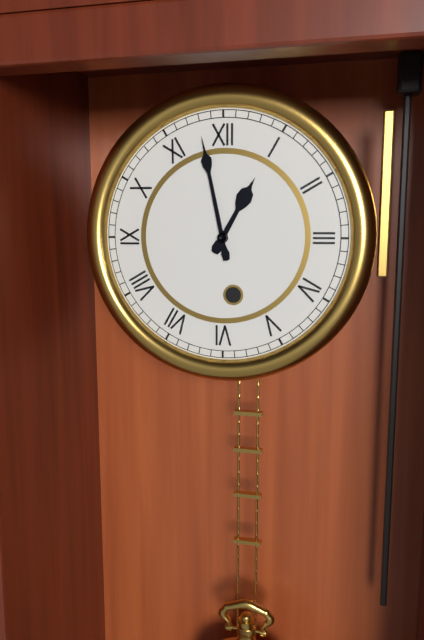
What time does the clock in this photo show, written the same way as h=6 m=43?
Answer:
h=12 m=58
